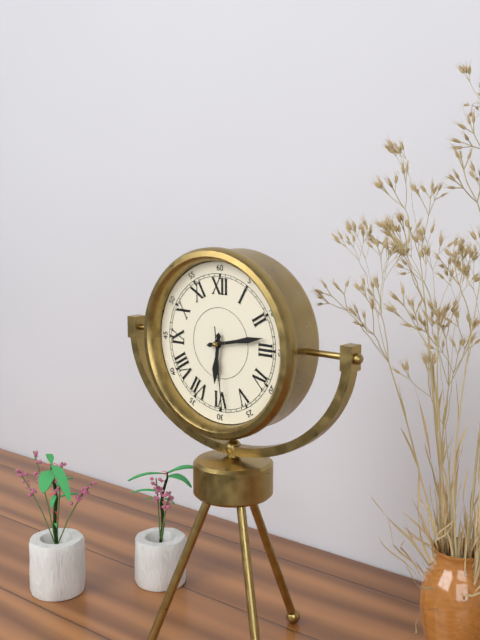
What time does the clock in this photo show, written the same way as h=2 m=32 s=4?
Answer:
h=6 m=13 s=29
